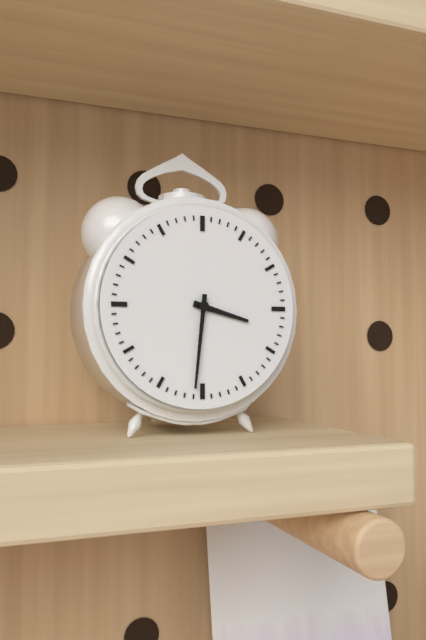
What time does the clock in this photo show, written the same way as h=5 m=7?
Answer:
h=3 m=31
